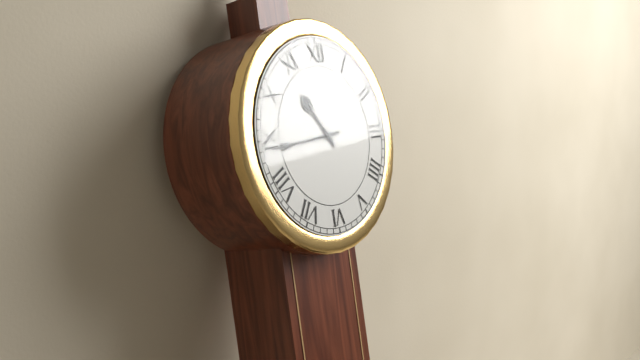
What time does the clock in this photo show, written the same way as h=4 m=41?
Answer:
h=10 m=44
